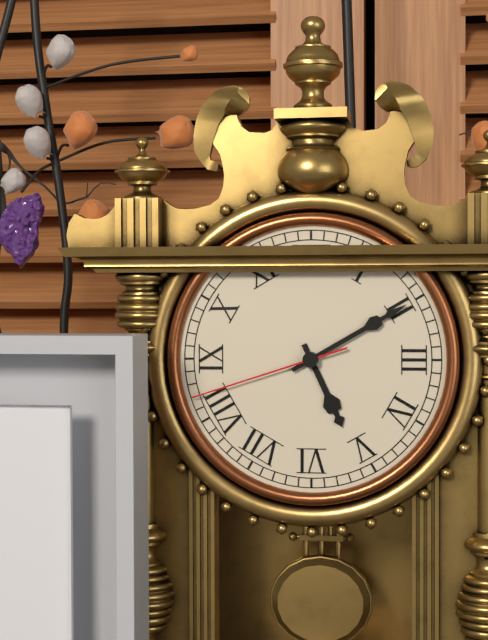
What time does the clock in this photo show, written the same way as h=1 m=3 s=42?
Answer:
h=5 m=10 s=42
